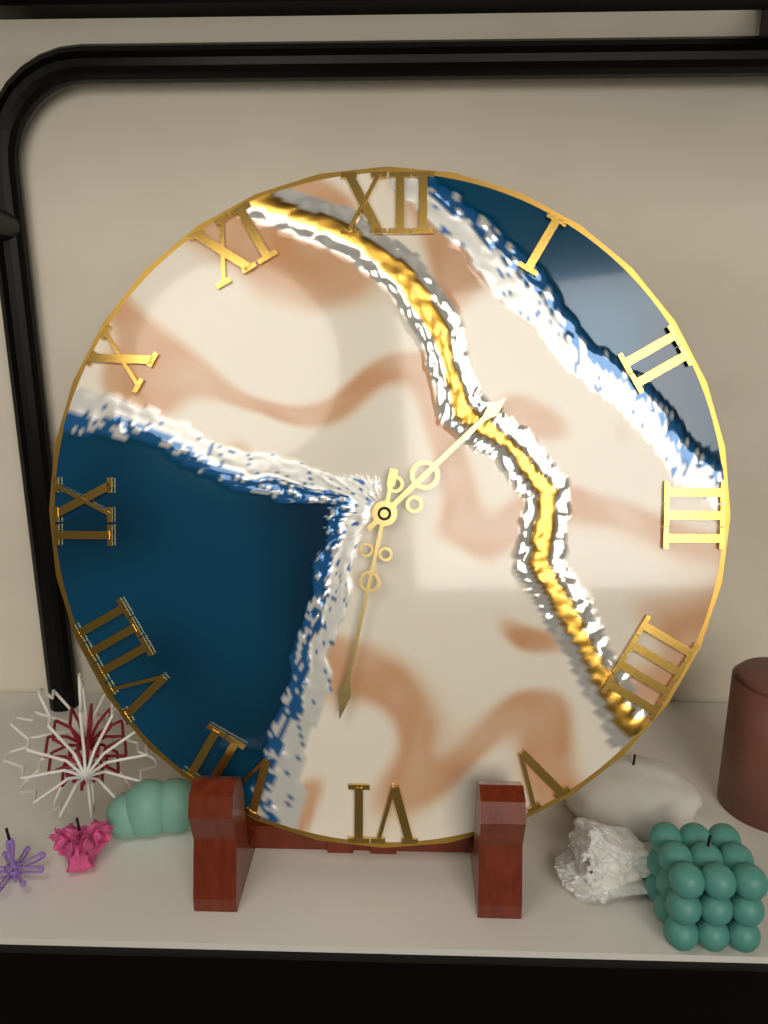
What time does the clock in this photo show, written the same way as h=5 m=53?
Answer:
h=1 m=32
